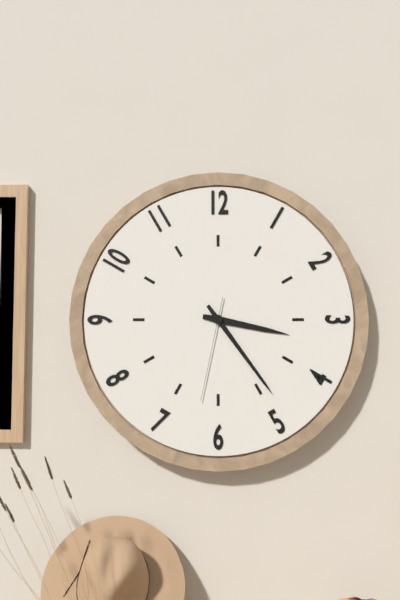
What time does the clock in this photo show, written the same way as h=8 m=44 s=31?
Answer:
h=3 m=24 s=32
